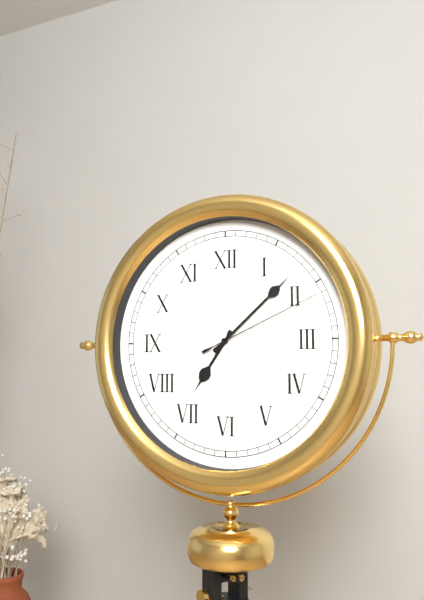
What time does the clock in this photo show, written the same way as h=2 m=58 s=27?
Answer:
h=7 m=8 s=11
